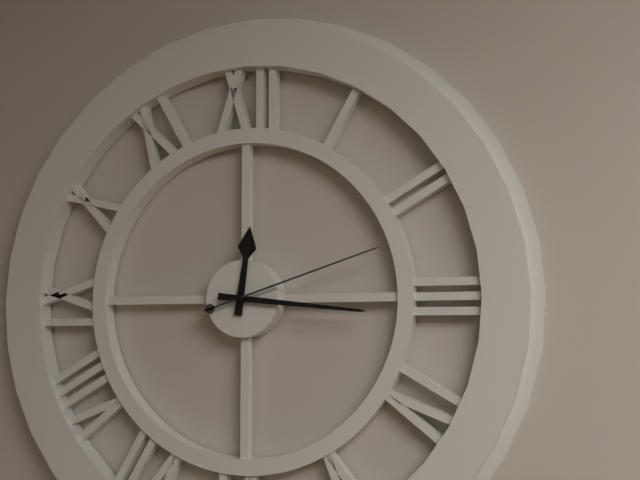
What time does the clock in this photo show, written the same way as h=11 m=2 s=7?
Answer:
h=12 m=16 s=12
